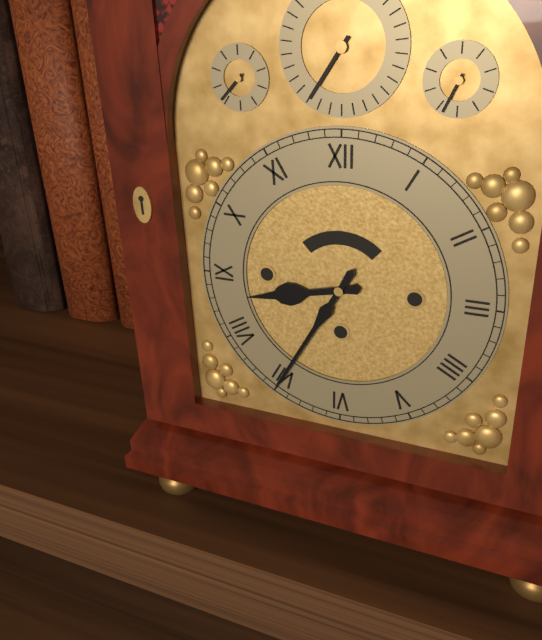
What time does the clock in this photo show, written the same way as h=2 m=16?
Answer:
h=8 m=35
